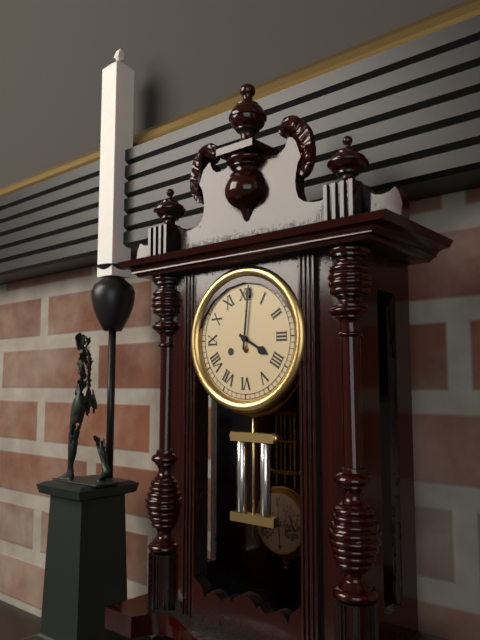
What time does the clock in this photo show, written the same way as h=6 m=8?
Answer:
h=4 m=1
